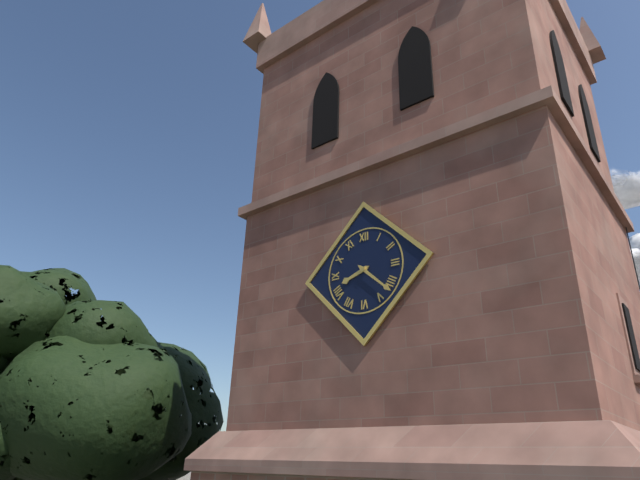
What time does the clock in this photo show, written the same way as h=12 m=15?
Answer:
h=8 m=22
